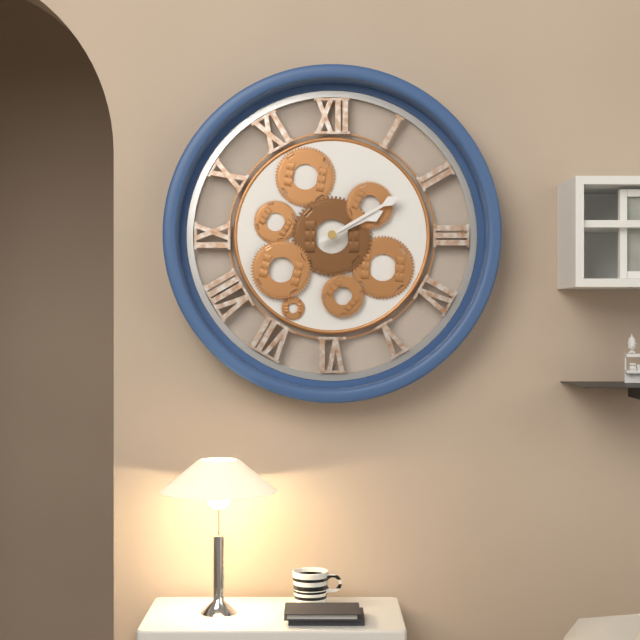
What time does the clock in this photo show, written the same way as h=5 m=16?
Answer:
h=2 m=10
